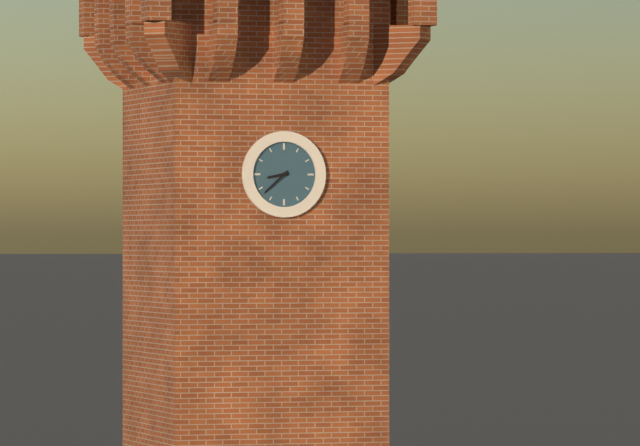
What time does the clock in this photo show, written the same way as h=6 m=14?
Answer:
h=8 m=38
